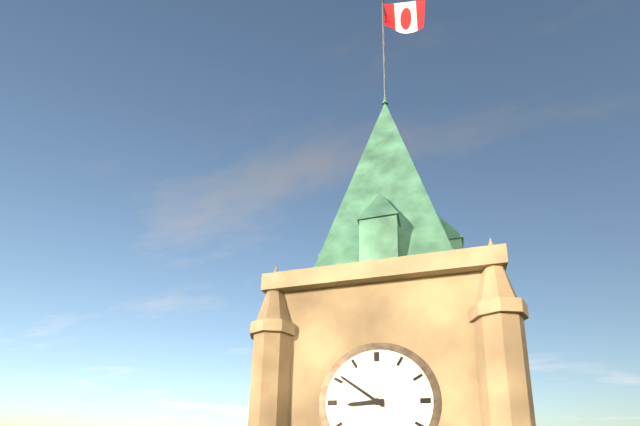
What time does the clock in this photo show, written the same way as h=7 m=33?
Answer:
h=8 m=51
